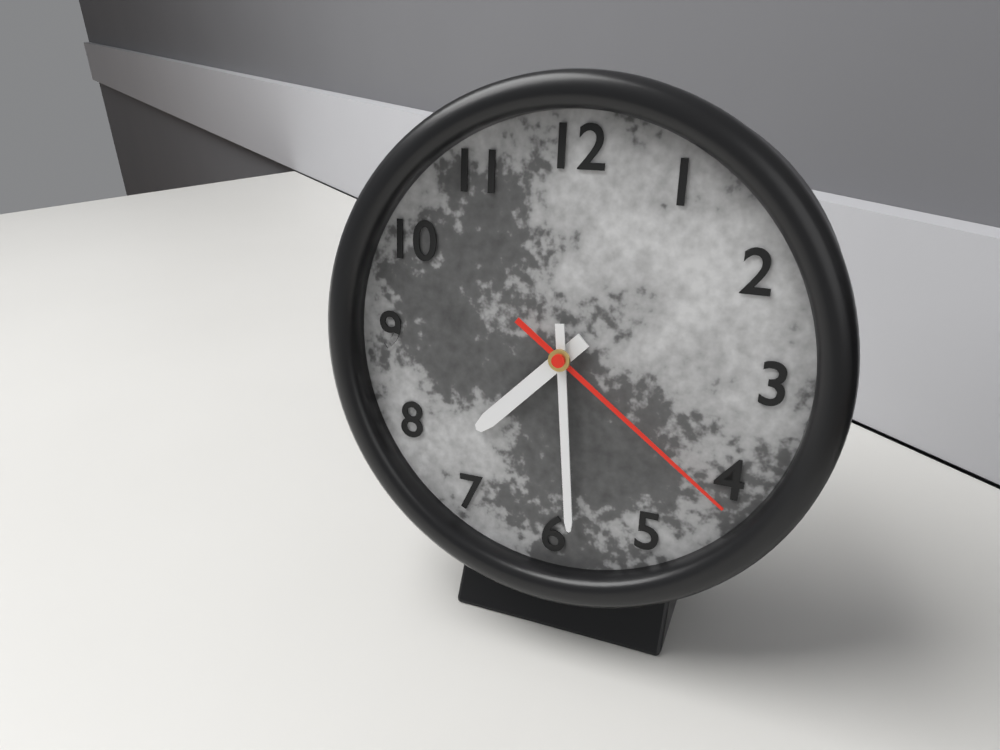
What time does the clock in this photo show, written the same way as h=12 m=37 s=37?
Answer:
h=7 m=29 s=21
